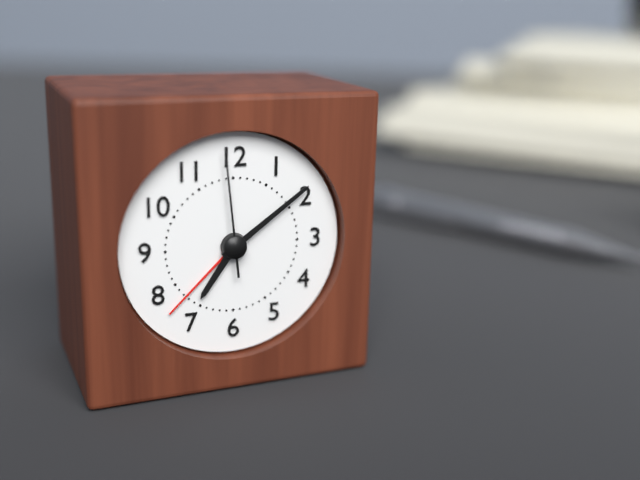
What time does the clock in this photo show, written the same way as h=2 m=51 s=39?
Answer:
h=7 m=9 s=59
